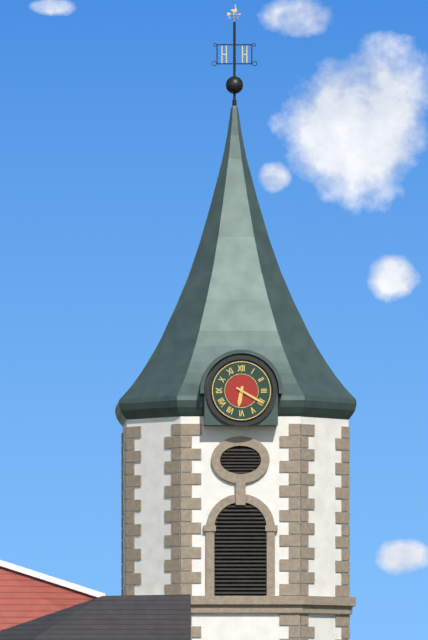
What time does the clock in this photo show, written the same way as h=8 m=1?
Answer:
h=6 m=20
